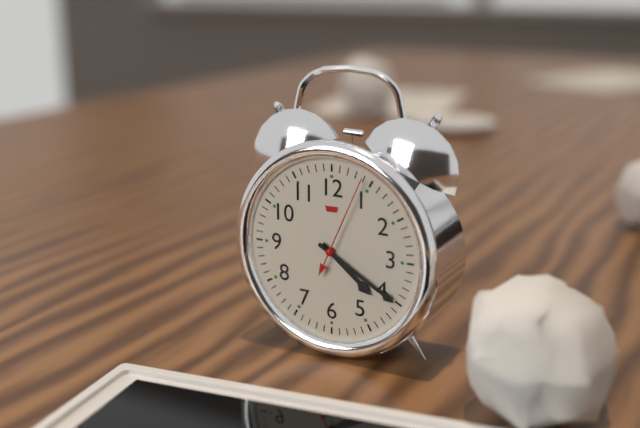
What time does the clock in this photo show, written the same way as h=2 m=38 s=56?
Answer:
h=4 m=20 s=4
